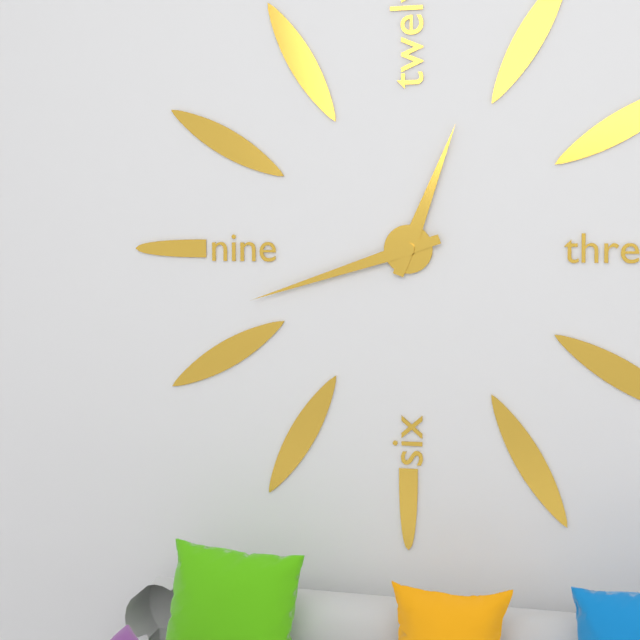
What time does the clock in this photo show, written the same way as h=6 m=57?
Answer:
h=12 m=42
